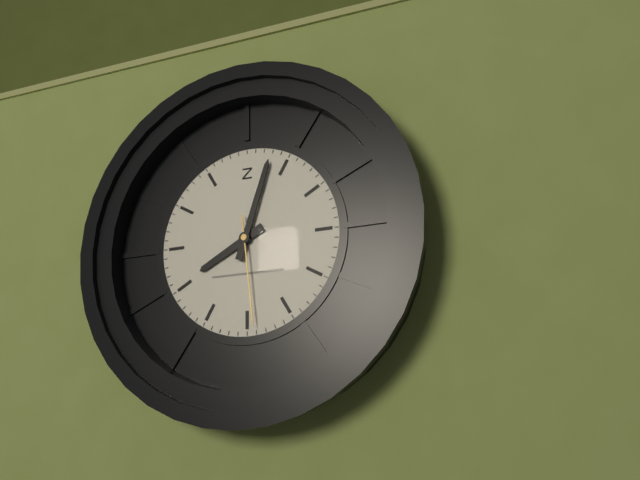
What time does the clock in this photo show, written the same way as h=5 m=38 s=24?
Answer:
h=8 m=3 s=29
